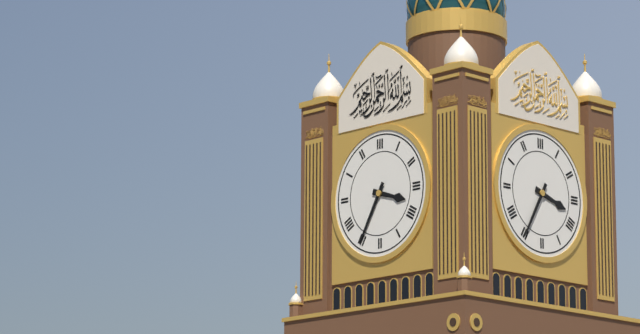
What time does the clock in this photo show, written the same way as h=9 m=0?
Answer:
h=3 m=35
